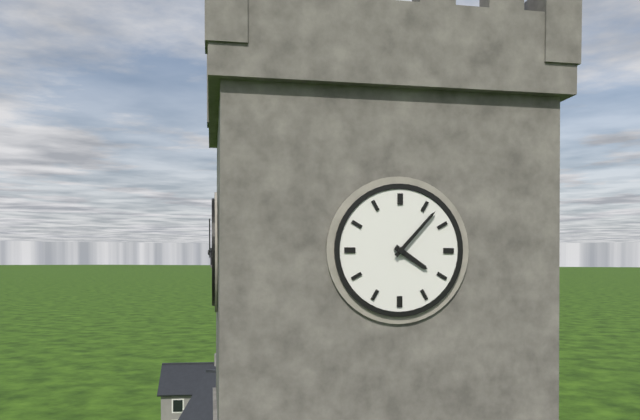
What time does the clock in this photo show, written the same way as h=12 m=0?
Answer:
h=4 m=7
